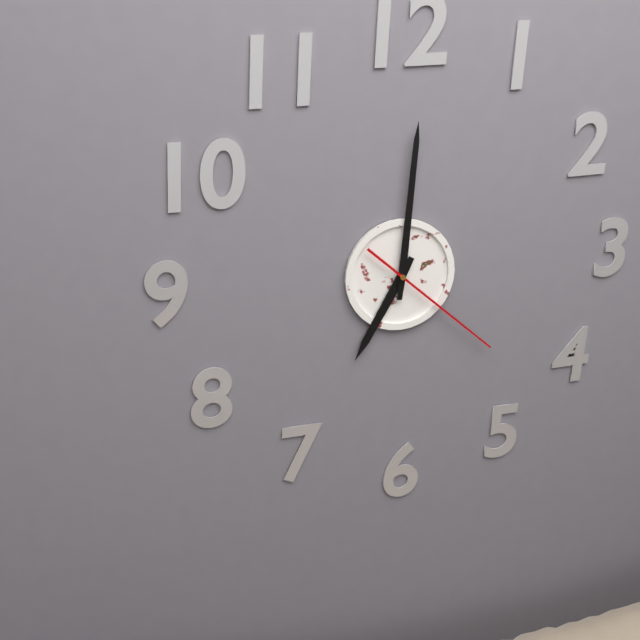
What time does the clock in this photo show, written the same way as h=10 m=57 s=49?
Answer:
h=7 m=1 s=22
